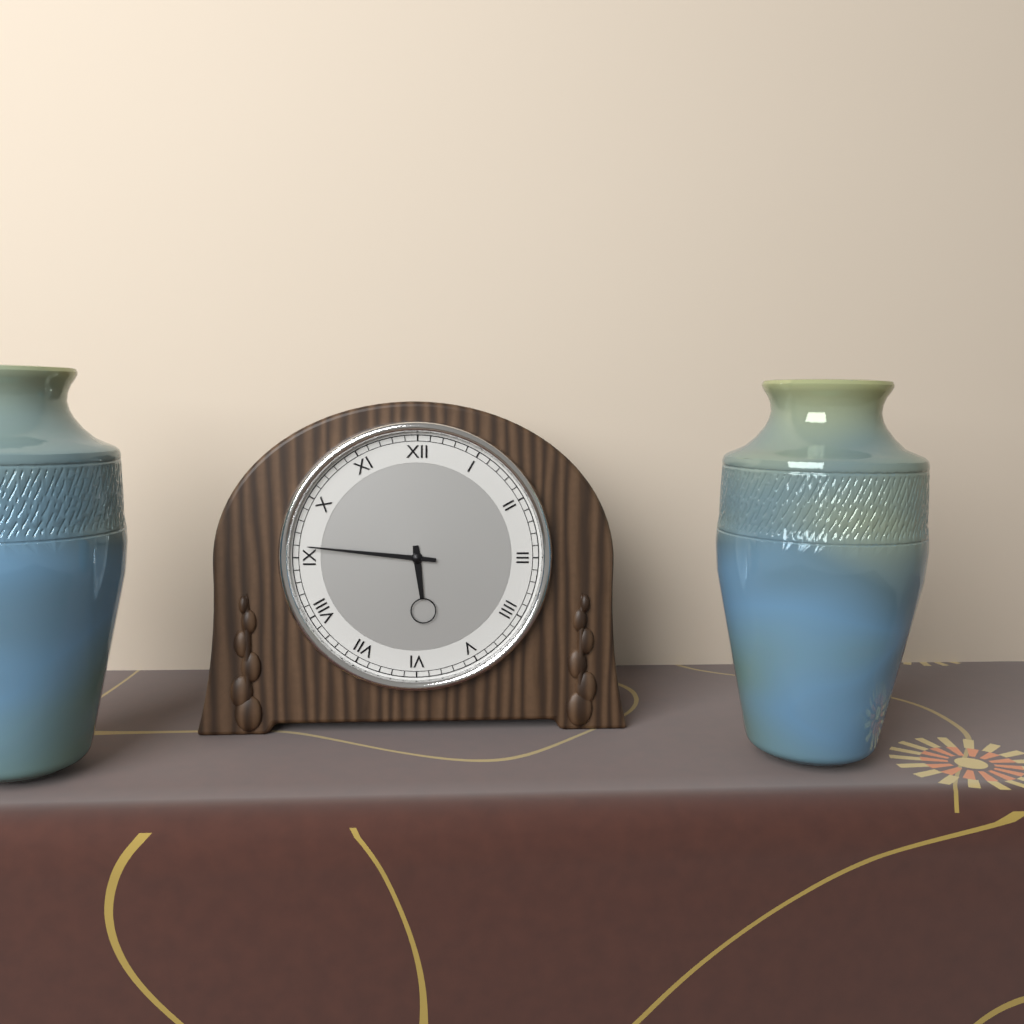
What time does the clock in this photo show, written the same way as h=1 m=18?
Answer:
h=5 m=46
